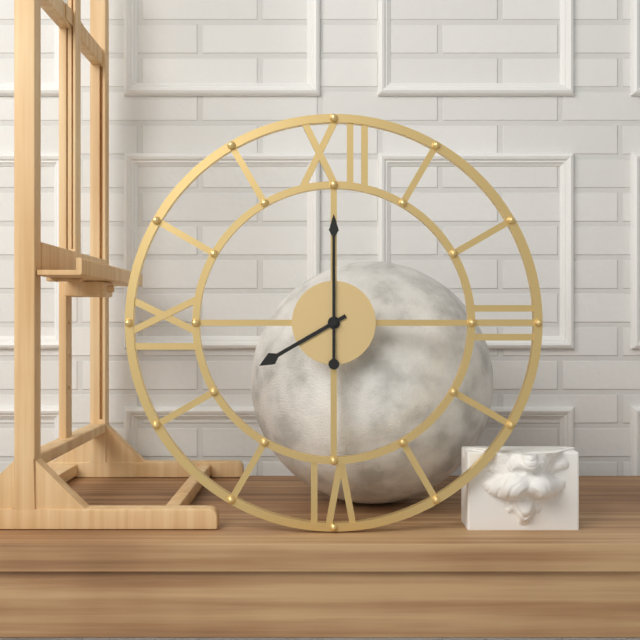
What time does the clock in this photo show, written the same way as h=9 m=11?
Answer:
h=8 m=0
